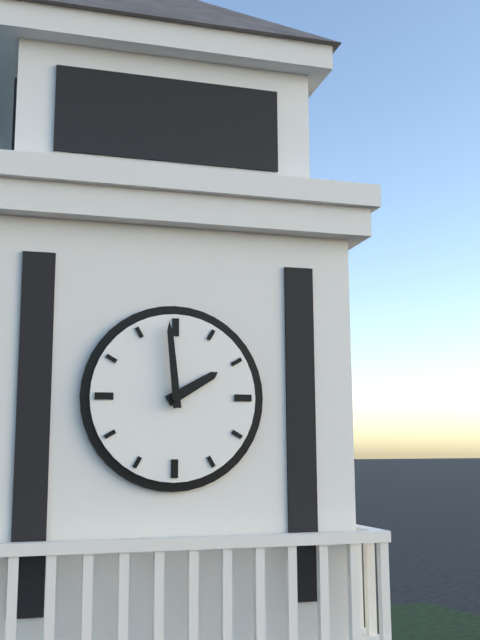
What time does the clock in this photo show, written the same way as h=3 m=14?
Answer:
h=1 m=59
